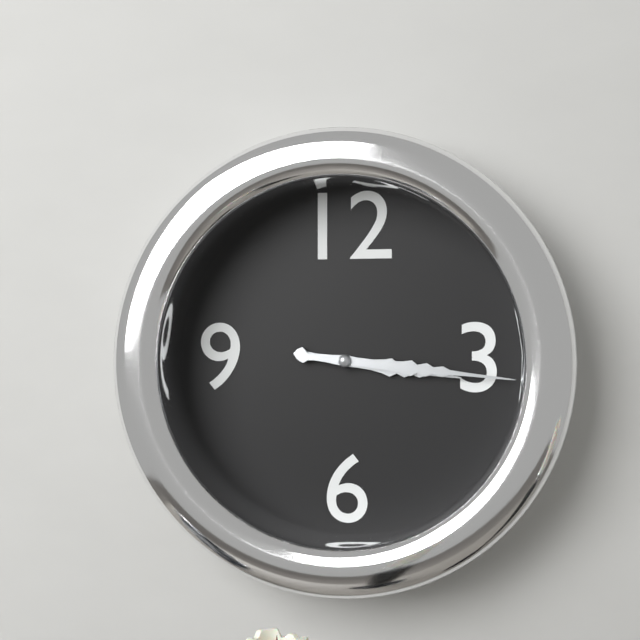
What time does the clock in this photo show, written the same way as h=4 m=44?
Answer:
h=3 m=16
